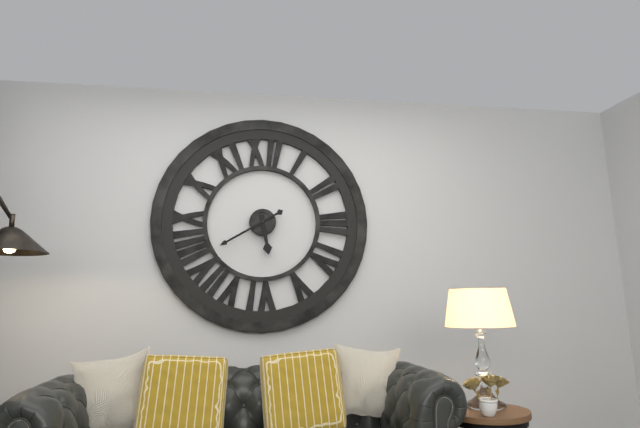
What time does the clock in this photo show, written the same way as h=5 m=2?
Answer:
h=5 m=40
